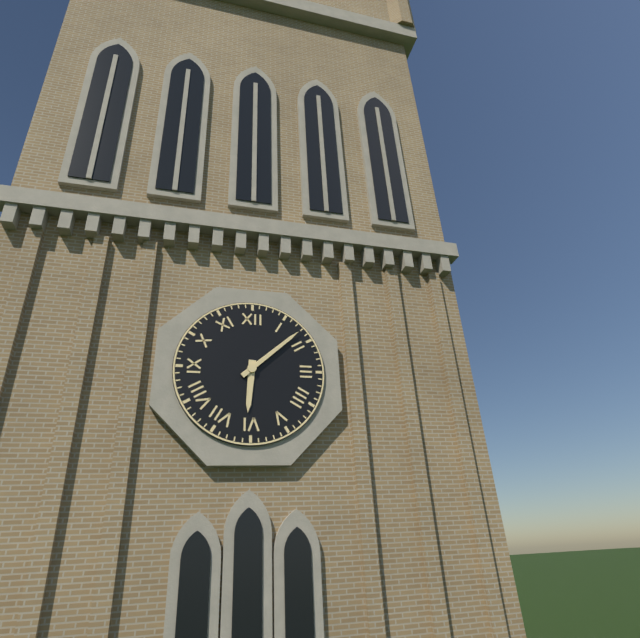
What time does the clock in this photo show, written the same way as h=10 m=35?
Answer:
h=6 m=8
